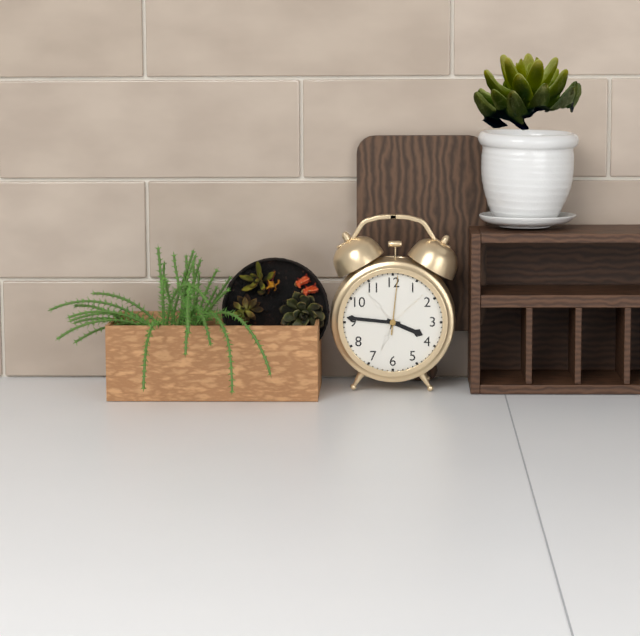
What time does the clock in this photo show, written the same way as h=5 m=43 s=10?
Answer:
h=3 m=46 s=1
